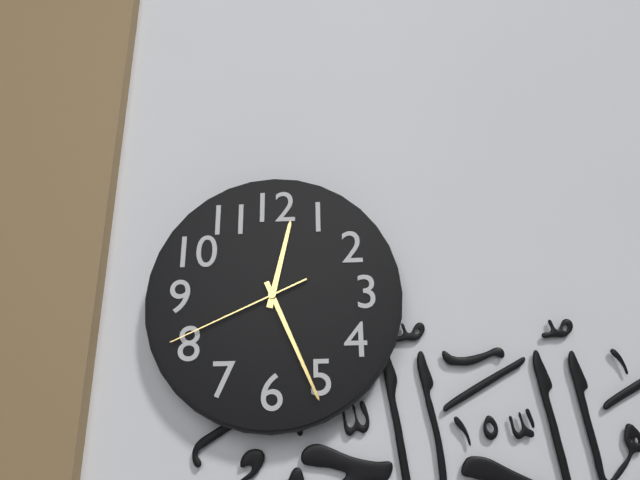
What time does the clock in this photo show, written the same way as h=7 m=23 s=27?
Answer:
h=12 m=26 s=41
